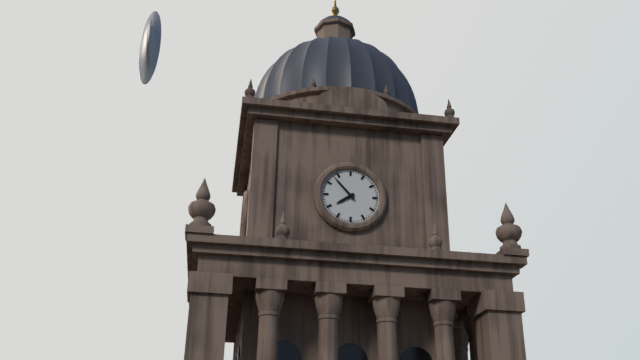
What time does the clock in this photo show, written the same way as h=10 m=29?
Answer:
h=7 m=53
